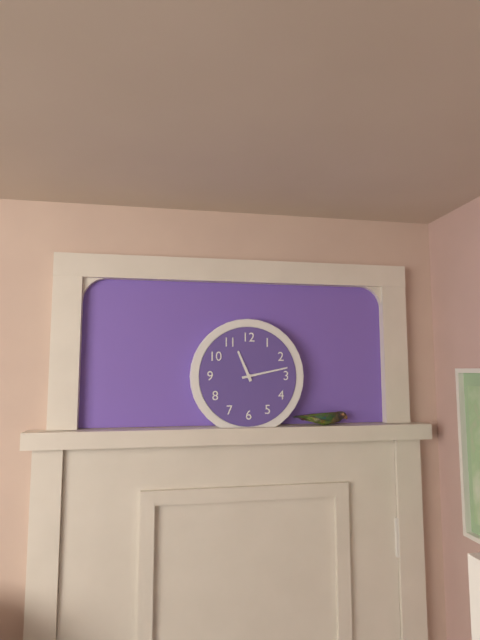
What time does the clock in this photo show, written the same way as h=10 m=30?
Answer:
h=11 m=13
